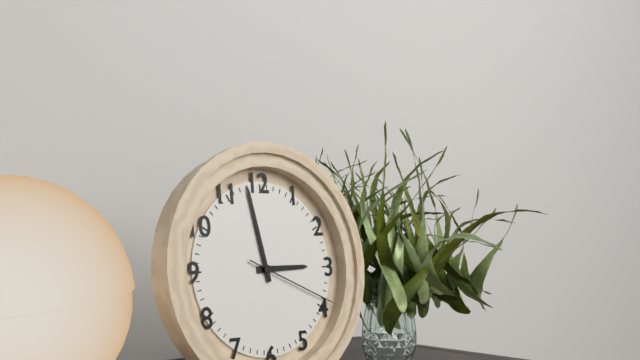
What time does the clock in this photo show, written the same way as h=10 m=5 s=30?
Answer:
h=2 m=58 s=19
